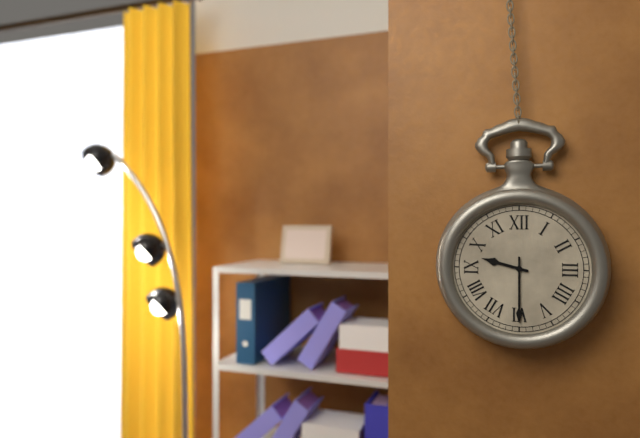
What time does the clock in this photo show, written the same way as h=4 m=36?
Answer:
h=9 m=30
